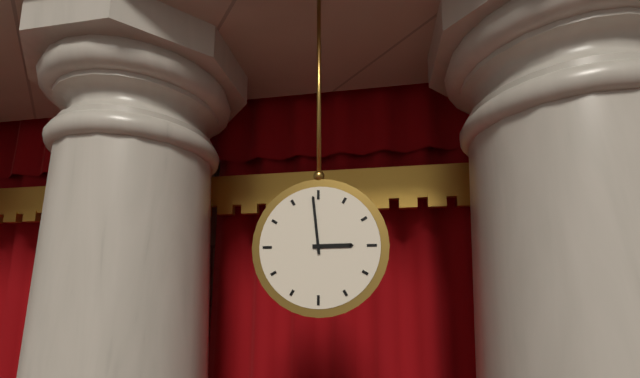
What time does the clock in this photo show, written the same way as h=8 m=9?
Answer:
h=2 m=59
